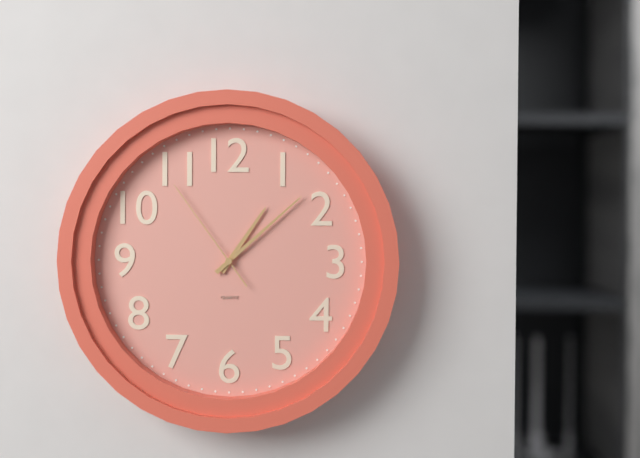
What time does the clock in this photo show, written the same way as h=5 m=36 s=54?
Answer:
h=1 m=8 s=54
